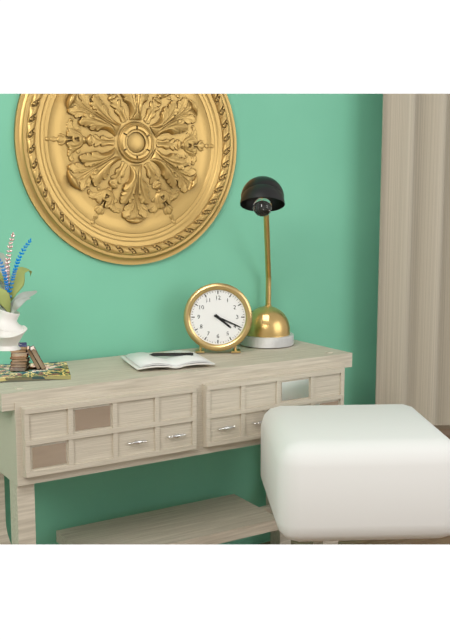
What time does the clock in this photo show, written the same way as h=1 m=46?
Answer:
h=4 m=19
